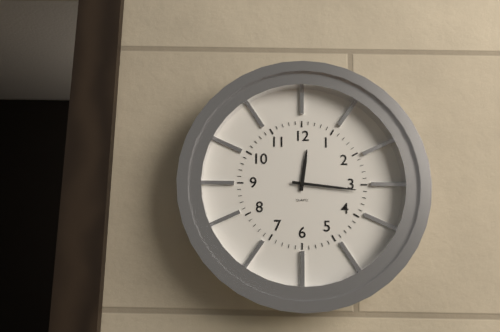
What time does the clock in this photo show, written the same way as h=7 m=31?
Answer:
h=12 m=16
